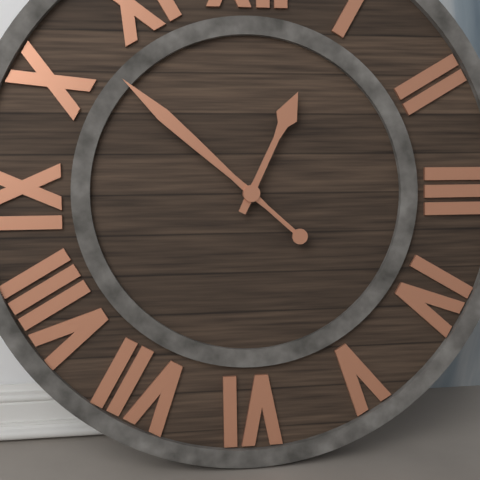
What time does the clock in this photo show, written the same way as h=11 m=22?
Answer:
h=12 m=52
